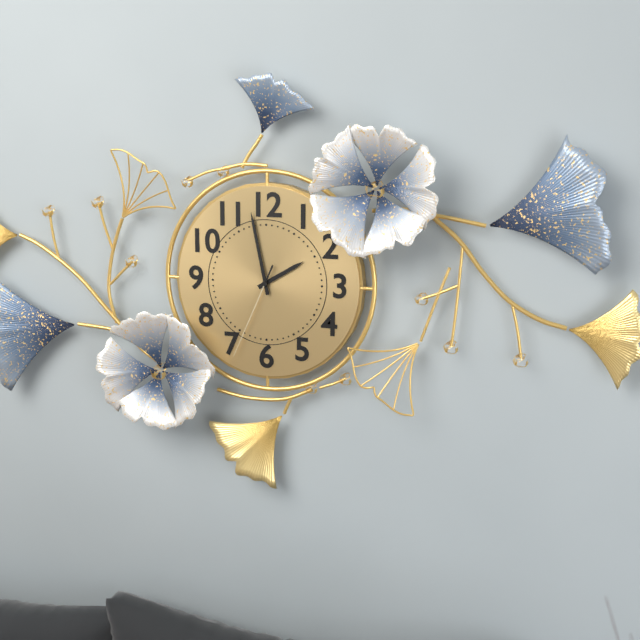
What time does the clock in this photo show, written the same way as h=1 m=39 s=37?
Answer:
h=1 m=58 s=34
